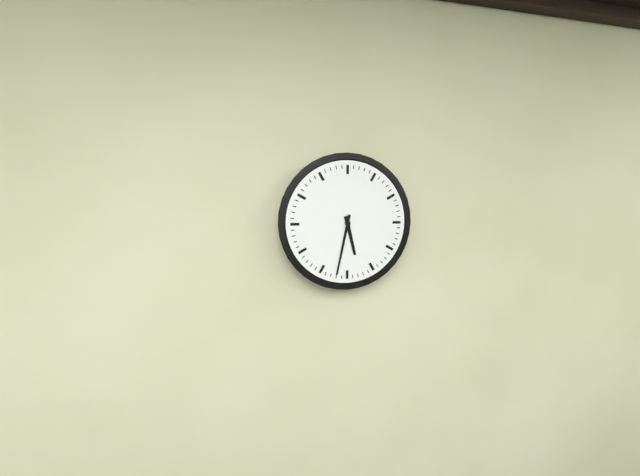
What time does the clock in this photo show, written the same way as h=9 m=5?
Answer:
h=5 m=32
